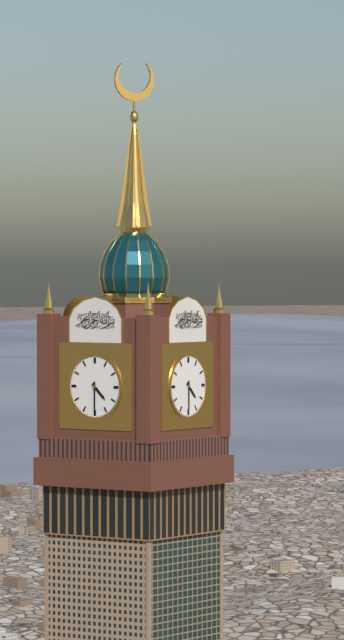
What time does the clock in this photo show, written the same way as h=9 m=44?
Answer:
h=4 m=30
